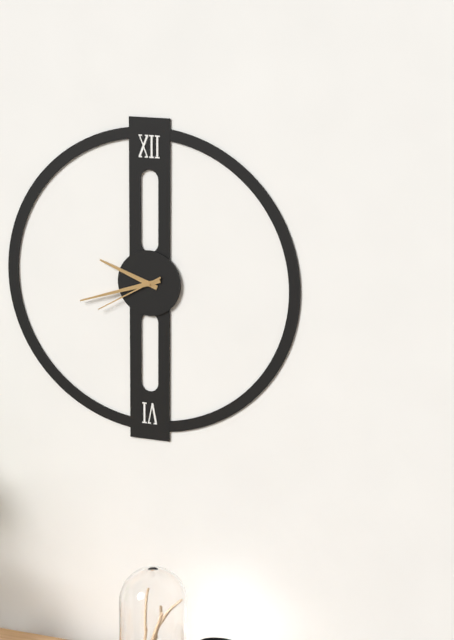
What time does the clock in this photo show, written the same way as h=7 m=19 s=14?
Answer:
h=9 m=42 s=40
